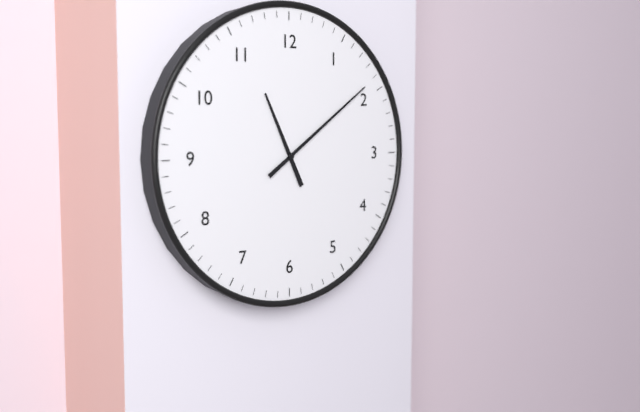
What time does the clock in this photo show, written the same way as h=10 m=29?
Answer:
h=11 m=9
